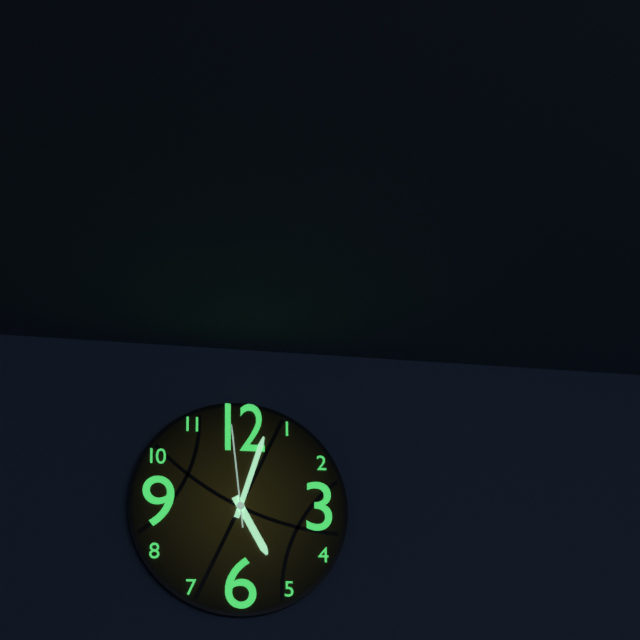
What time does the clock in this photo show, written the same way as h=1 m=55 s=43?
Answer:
h=5 m=3 s=59
